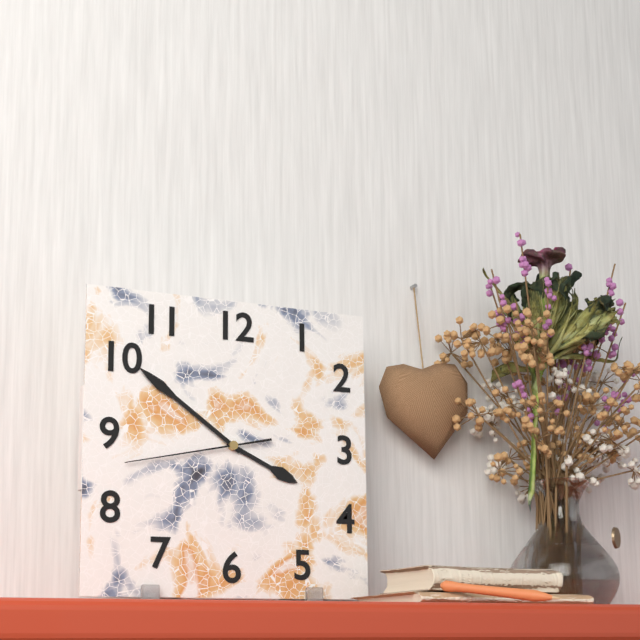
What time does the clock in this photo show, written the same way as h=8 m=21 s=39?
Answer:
h=3 m=51 s=43
